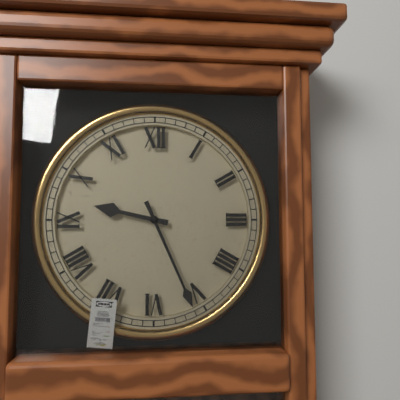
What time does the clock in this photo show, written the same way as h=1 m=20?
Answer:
h=9 m=26
